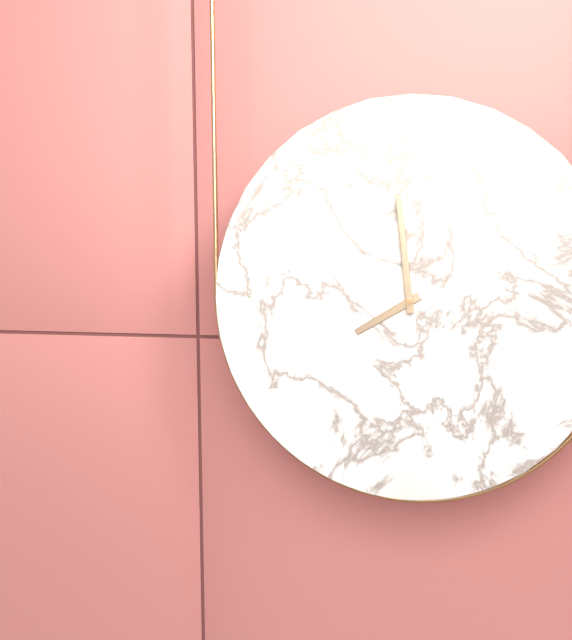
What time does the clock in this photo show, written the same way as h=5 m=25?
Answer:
h=7 m=59
